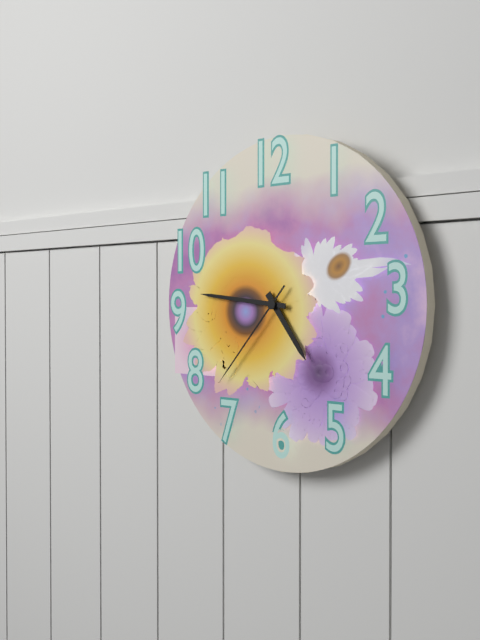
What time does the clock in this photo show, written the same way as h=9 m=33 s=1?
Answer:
h=4 m=46 s=37
